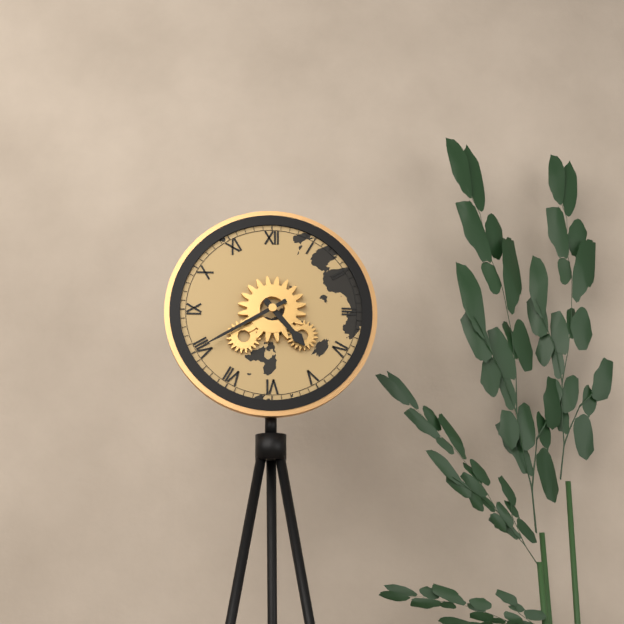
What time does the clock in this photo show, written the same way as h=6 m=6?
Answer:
h=4 m=40
